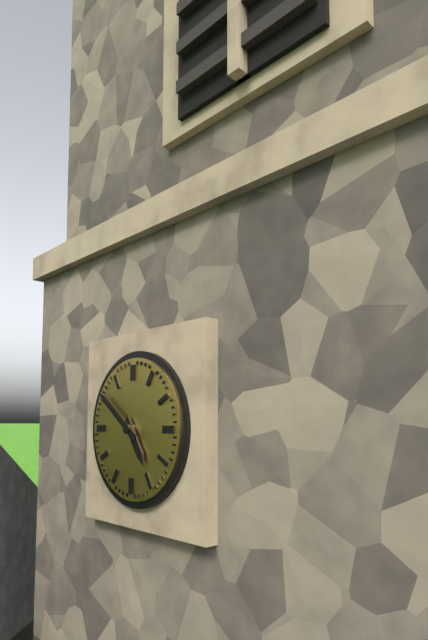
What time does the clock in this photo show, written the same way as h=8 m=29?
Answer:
h=4 m=51
